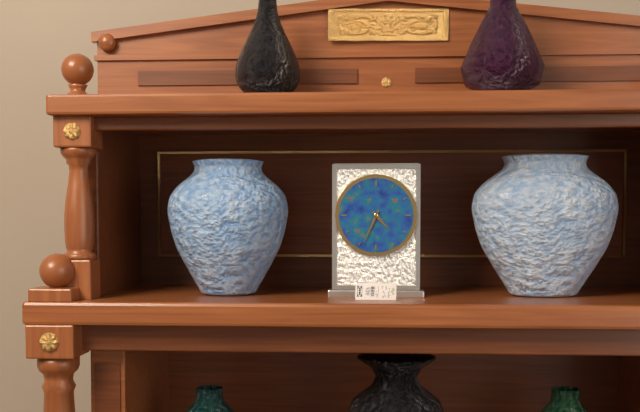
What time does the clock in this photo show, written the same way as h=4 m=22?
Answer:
h=4 m=34
